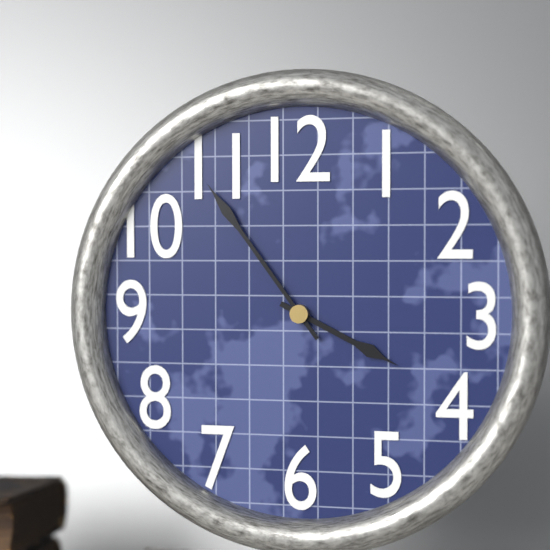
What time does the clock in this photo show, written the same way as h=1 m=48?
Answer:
h=3 m=54
